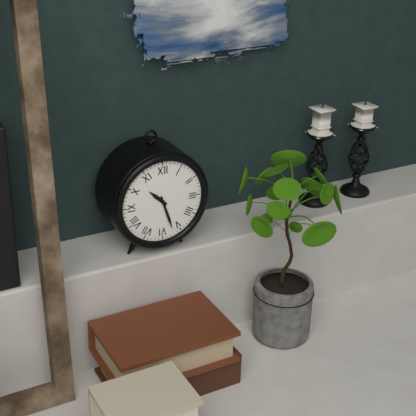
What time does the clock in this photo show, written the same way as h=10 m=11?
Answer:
h=10 m=27
